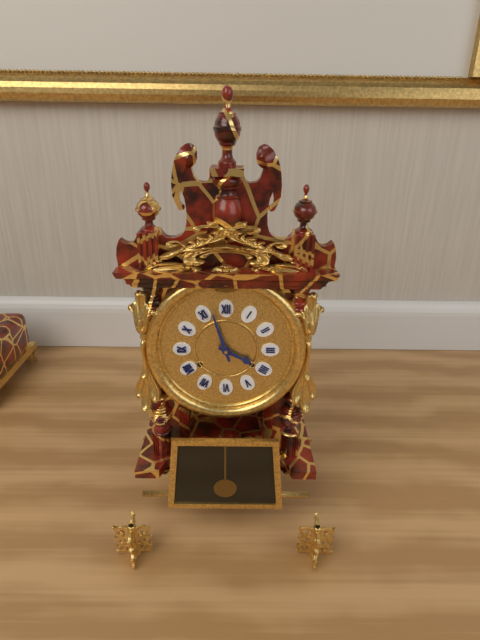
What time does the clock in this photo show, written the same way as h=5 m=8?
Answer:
h=3 m=57
